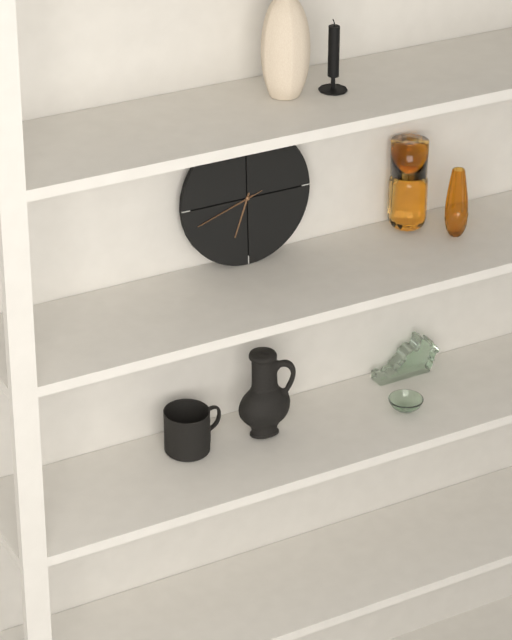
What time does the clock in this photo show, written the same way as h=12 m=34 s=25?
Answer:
h=6 m=42 s=42
